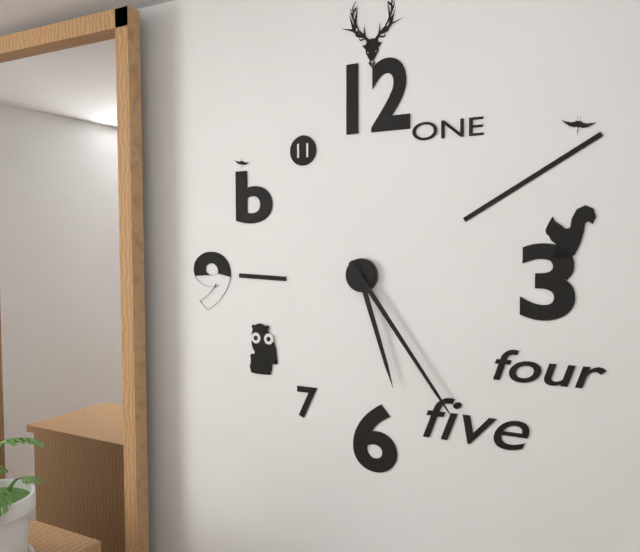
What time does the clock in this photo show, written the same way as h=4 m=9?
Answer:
h=5 m=24
